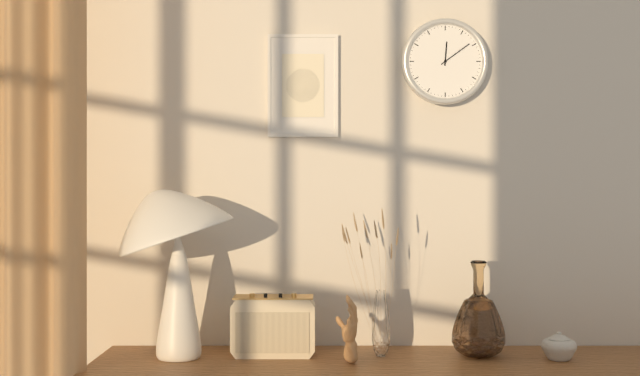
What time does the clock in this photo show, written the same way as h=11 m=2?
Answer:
h=12 m=9
